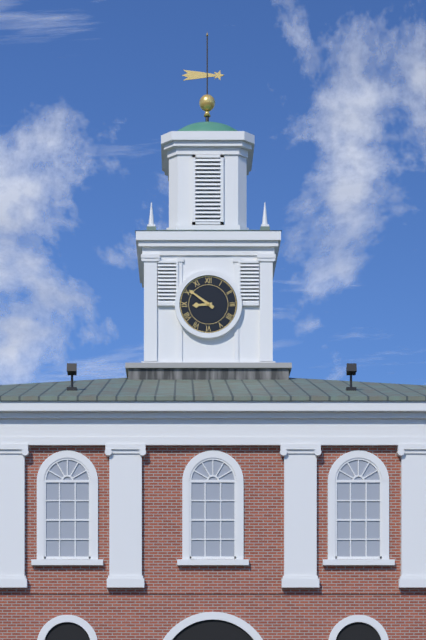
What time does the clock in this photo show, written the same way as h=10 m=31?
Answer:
h=8 m=51
